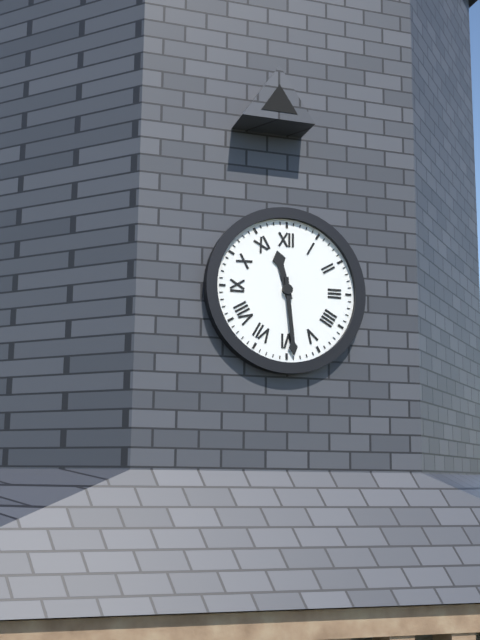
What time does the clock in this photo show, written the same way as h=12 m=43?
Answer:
h=11 m=29
